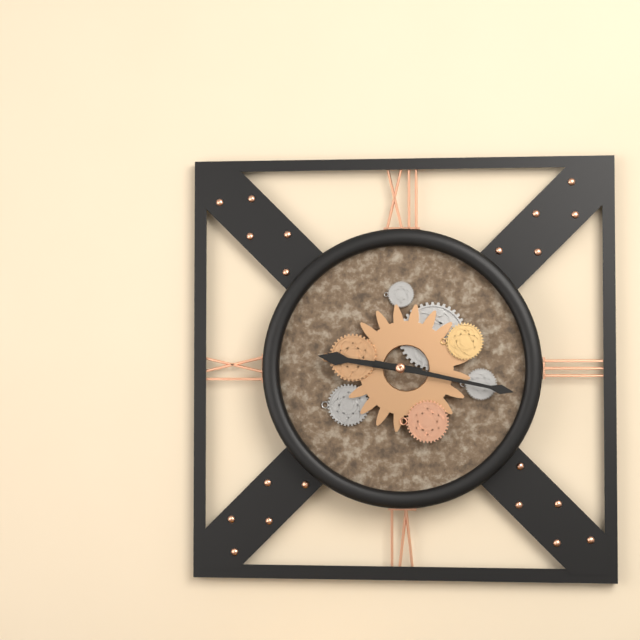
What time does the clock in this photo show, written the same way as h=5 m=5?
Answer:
h=9 m=17
